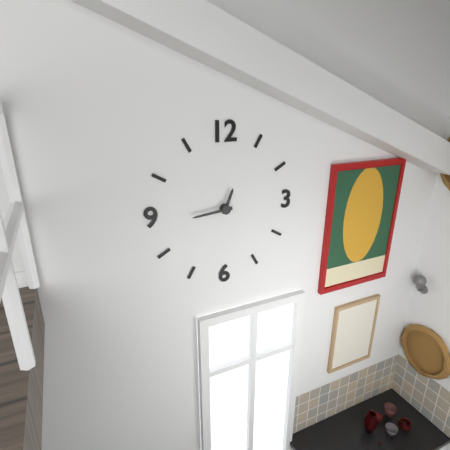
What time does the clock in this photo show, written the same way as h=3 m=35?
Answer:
h=12 m=44
